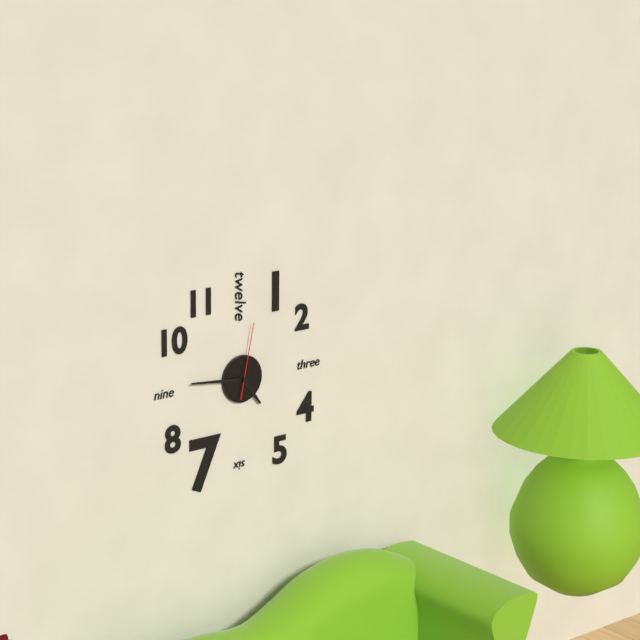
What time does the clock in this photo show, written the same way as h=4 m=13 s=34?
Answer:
h=4 m=46 s=2
